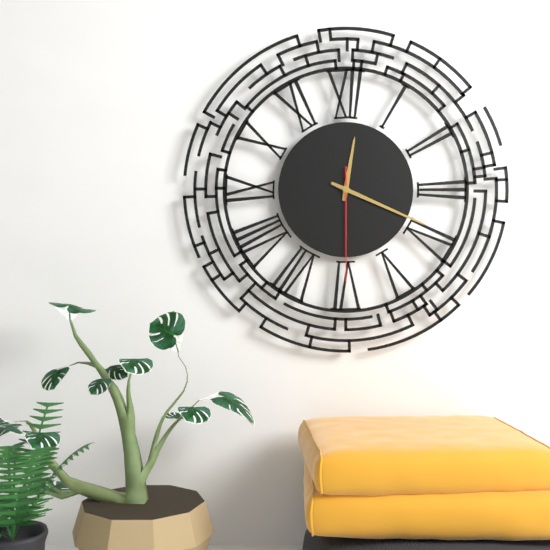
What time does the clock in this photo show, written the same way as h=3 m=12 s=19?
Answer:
h=12 m=19 s=30
